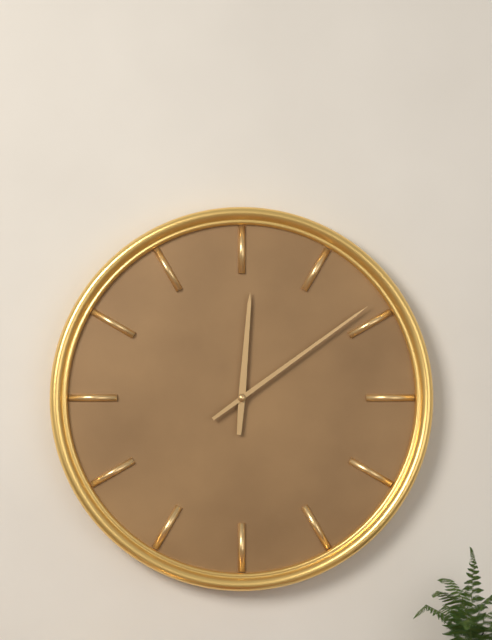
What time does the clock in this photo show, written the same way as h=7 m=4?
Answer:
h=12 m=9
